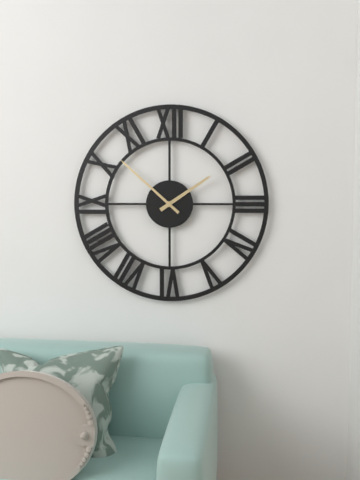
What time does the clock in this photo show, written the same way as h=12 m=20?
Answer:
h=1 m=52
